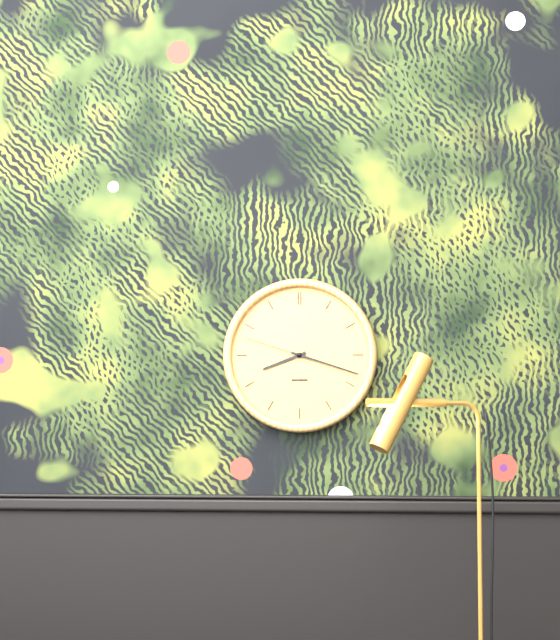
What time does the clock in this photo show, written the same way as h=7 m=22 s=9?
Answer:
h=8 m=18 s=48
